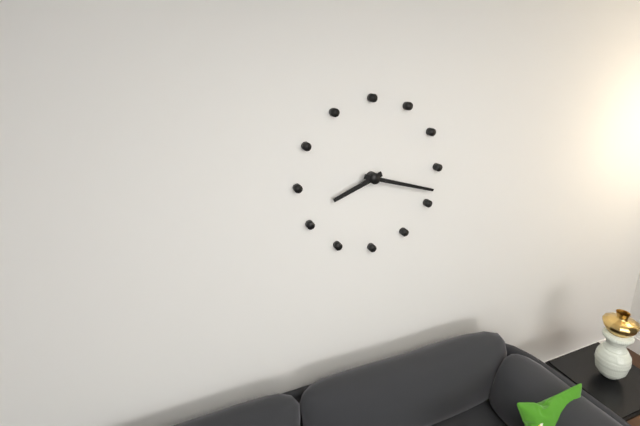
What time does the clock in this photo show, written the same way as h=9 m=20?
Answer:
h=8 m=18
